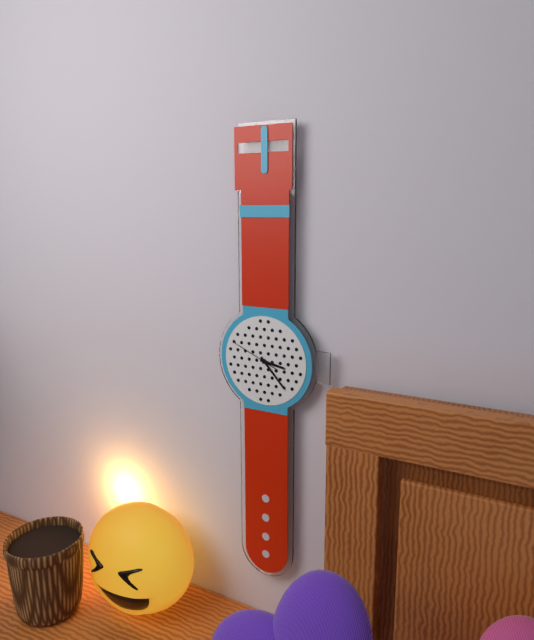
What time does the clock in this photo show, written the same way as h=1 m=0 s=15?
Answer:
h=3 m=23 s=49
